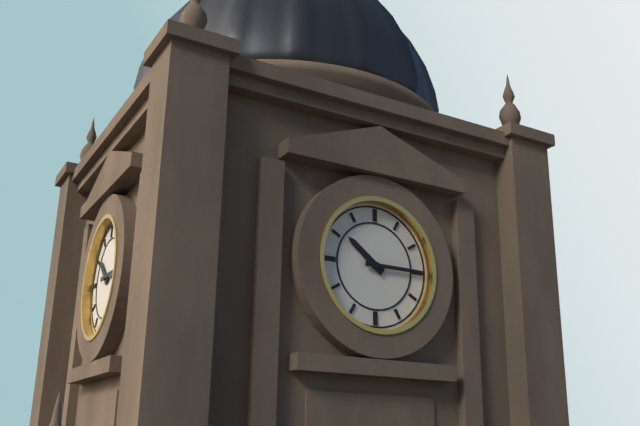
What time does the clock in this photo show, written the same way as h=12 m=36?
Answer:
h=10 m=15
